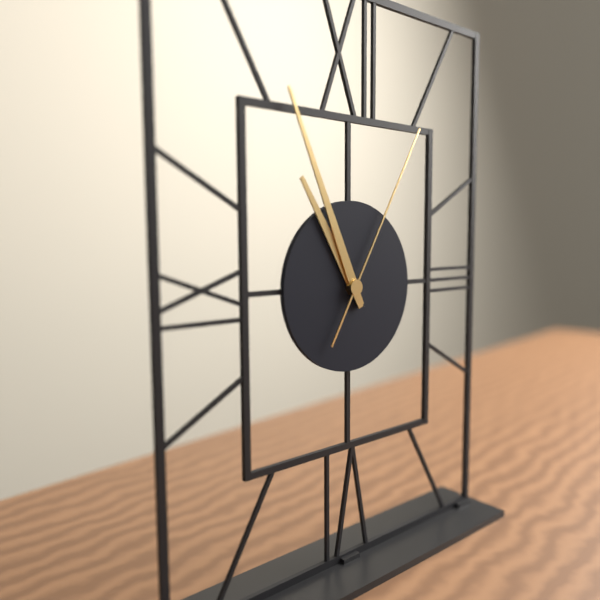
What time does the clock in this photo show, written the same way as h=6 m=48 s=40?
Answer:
h=10 m=56 s=5
